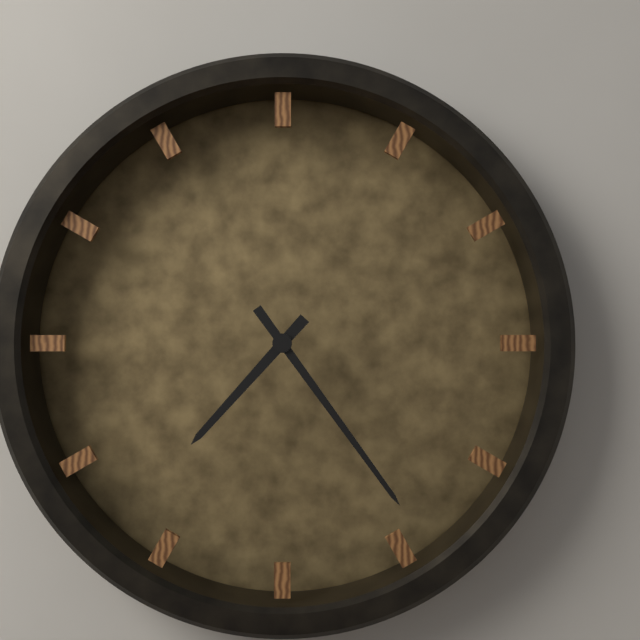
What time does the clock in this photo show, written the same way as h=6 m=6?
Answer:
h=7 m=24
